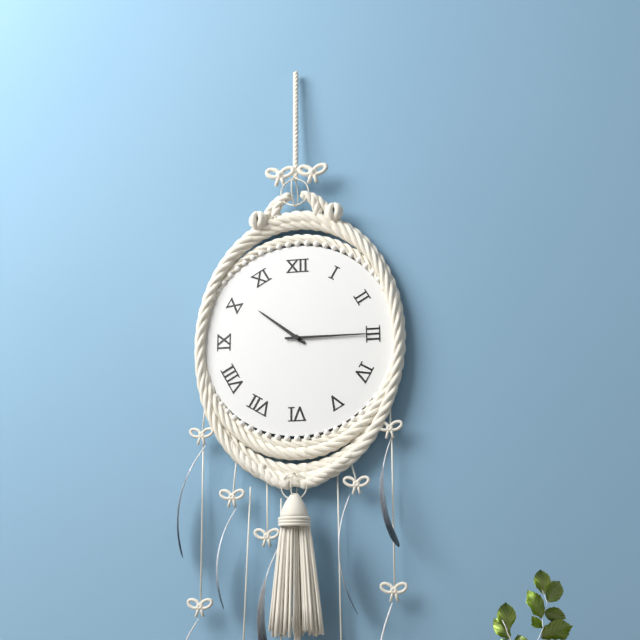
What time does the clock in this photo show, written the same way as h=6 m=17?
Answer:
h=10 m=15
